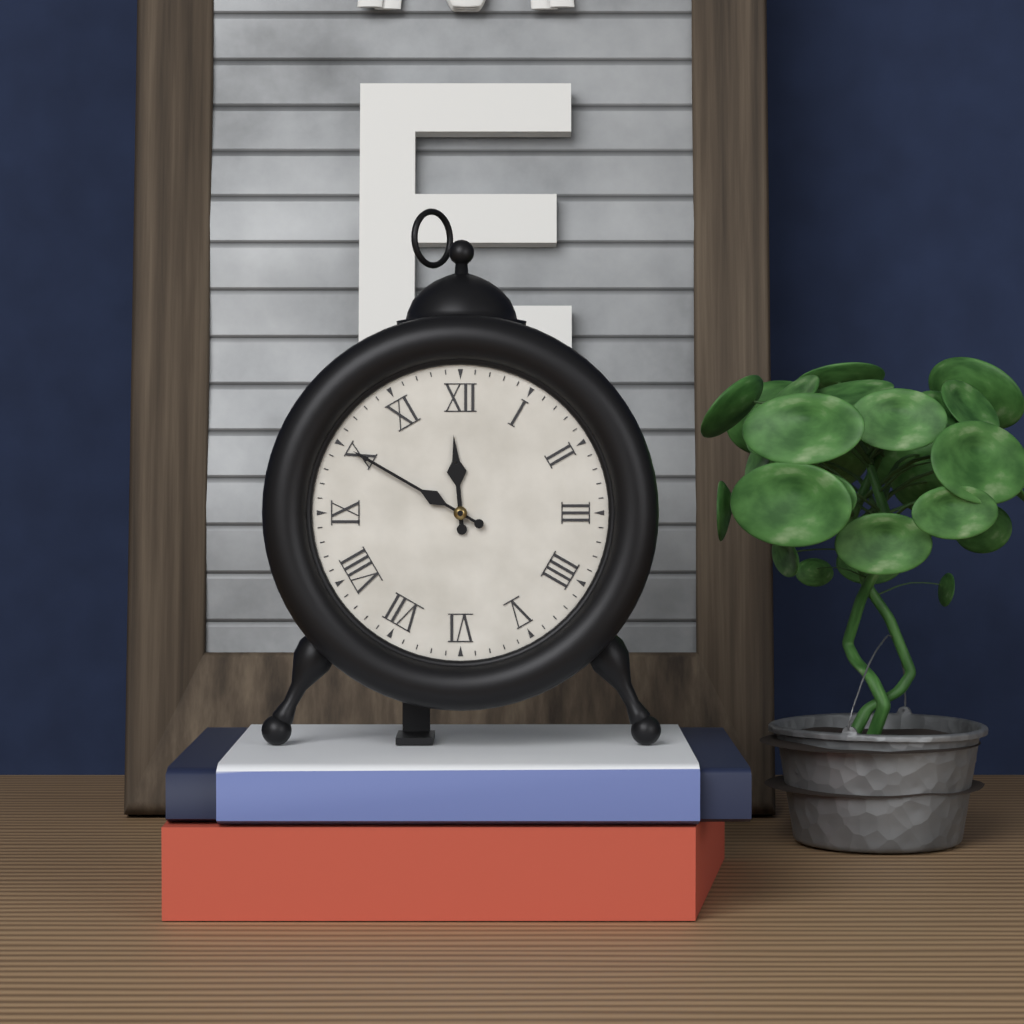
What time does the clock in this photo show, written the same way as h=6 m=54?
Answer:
h=11 m=50
